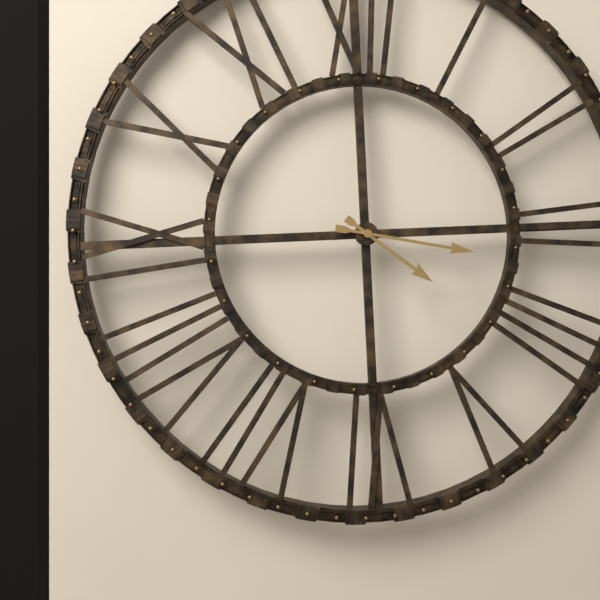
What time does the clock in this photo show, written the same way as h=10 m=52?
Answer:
h=4 m=17
